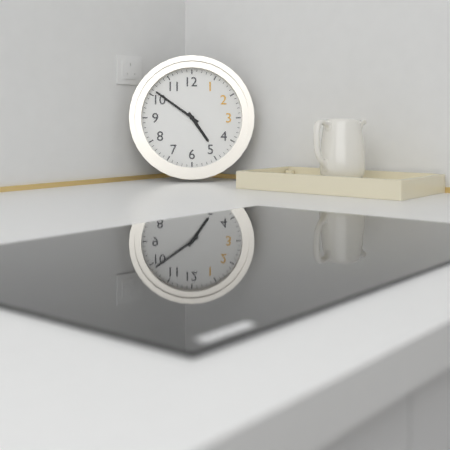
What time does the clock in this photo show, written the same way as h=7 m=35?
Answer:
h=4 m=51
